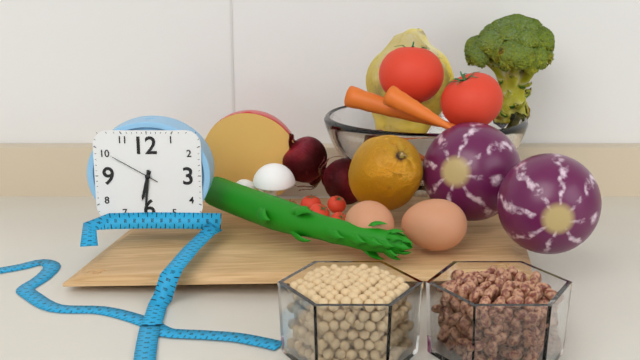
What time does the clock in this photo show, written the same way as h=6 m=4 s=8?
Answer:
h=6 m=31 s=50
